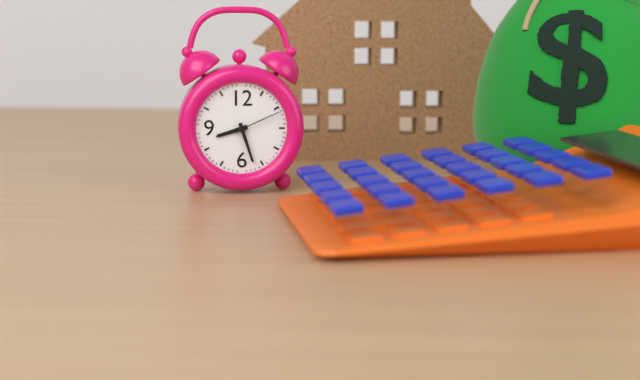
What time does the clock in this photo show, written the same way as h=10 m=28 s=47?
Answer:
h=8 m=27 s=11
